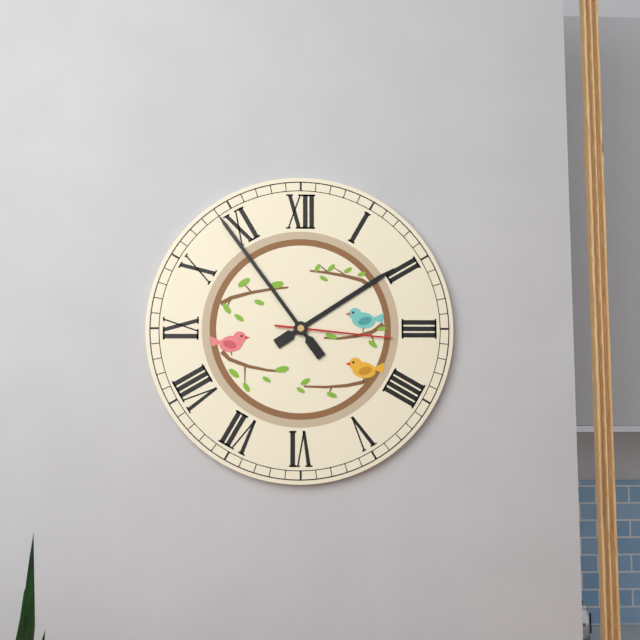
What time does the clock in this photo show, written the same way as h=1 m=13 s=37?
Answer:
h=1 m=54 s=16
